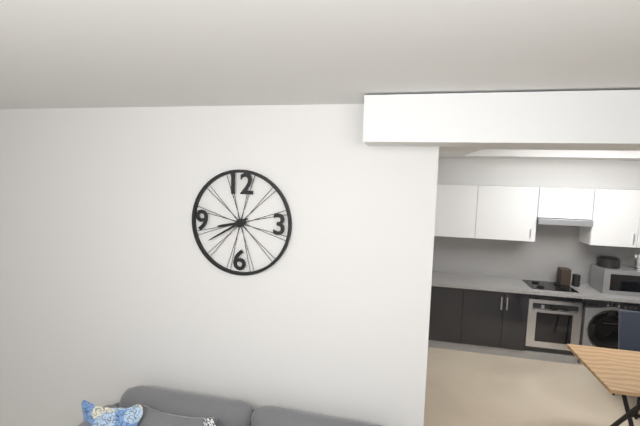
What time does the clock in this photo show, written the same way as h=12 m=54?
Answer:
h=8 m=40
